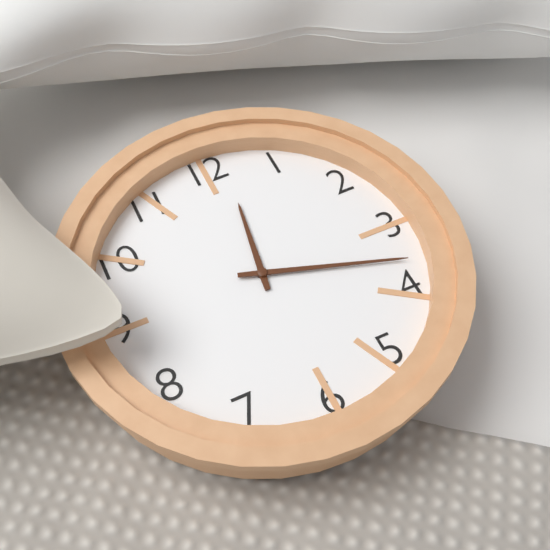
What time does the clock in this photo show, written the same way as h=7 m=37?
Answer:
h=12 m=18
